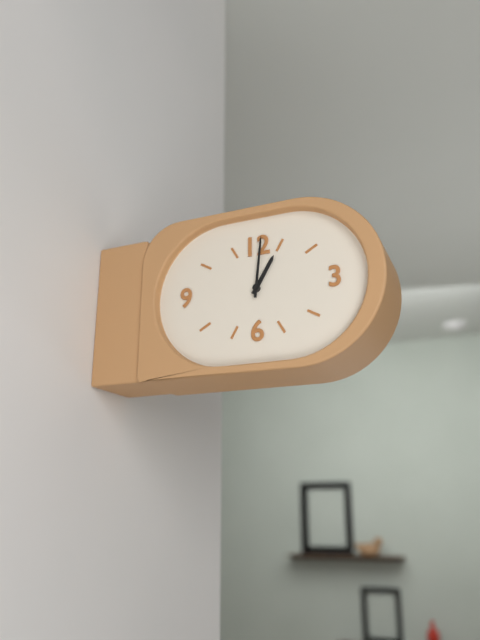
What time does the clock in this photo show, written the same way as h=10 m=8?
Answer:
h=1 m=1
